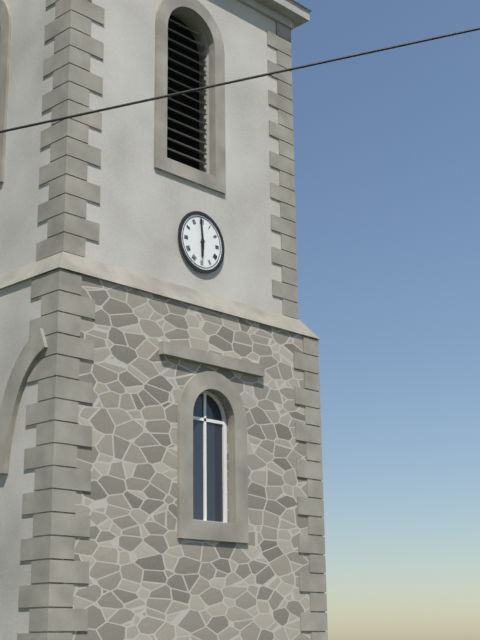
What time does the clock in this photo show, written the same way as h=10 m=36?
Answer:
h=5 m=59
